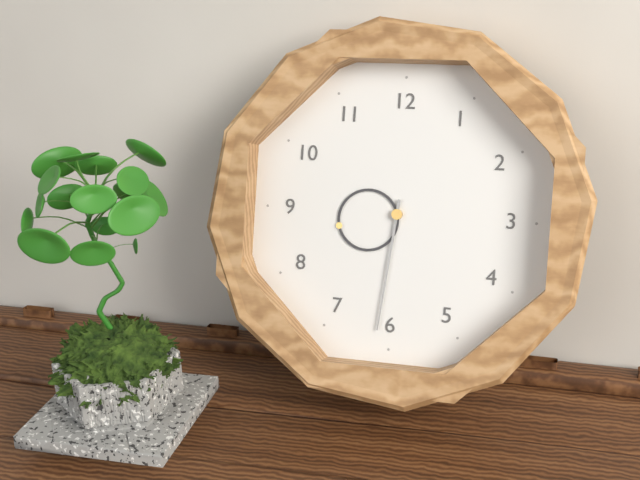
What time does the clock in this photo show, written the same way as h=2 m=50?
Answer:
h=8 m=31
